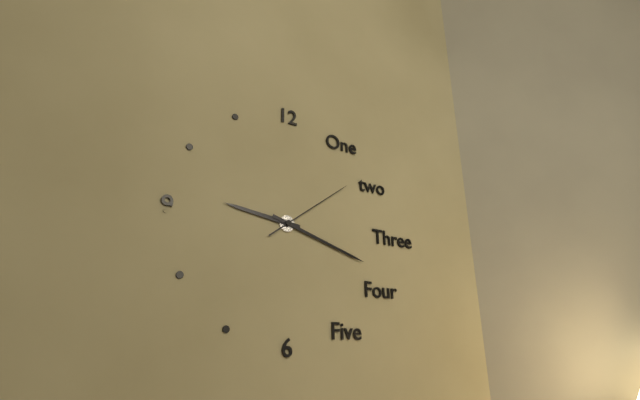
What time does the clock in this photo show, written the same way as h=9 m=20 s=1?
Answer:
h=9 m=18 s=9
